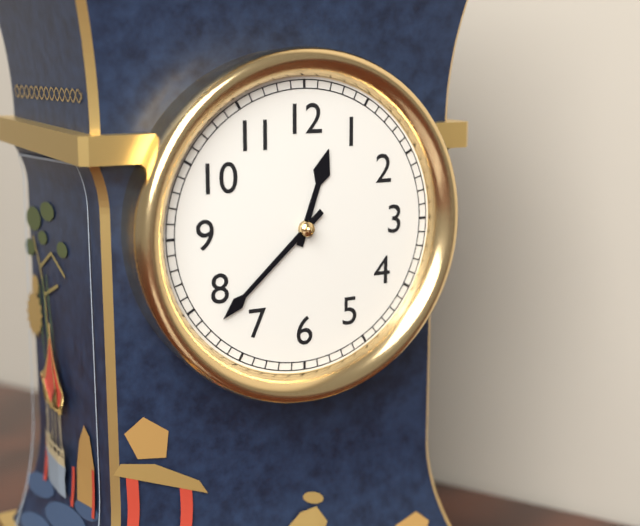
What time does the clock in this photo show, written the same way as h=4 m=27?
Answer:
h=12 m=38
